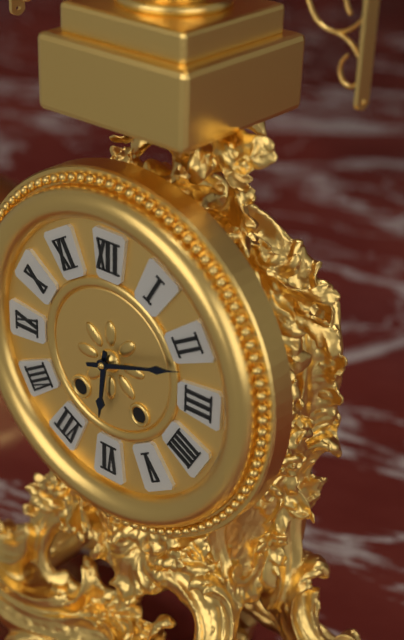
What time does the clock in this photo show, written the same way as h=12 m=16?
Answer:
h=6 m=12
